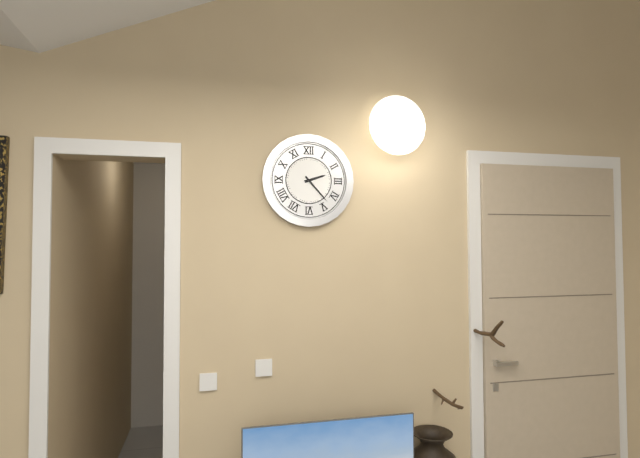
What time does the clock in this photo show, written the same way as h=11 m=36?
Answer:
h=2 m=23
